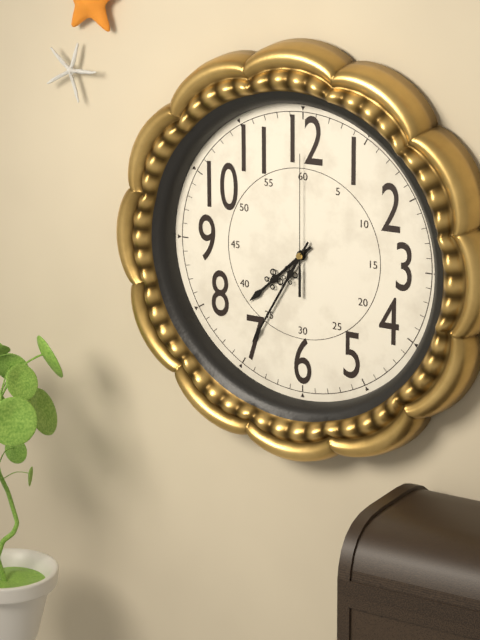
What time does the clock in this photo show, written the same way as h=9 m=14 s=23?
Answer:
h=7 m=35 s=0
